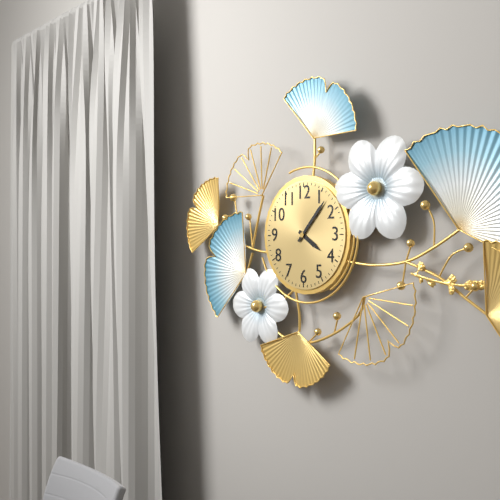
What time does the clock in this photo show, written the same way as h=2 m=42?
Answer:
h=4 m=7
